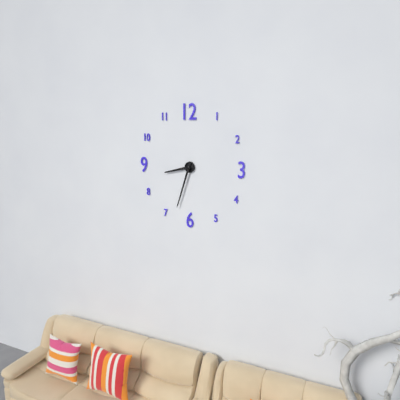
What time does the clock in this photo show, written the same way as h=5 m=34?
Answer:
h=8 m=33
